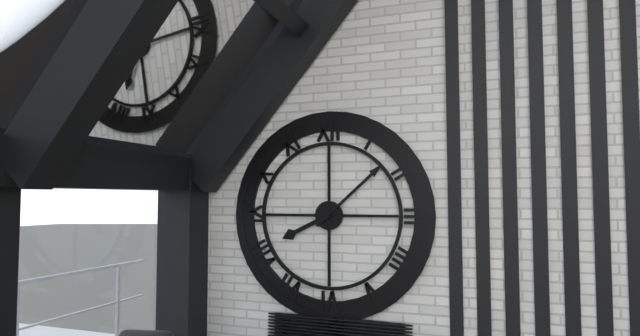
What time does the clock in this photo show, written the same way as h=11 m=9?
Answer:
h=8 m=8
